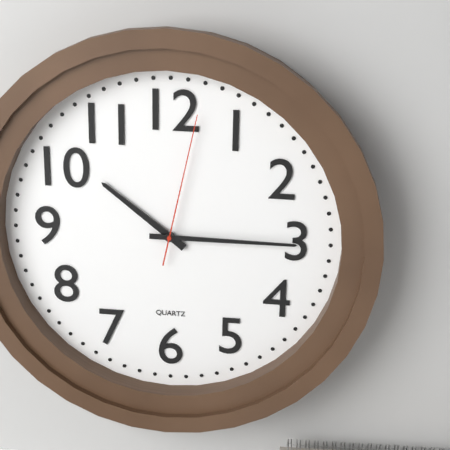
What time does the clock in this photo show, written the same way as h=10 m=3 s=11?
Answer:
h=10 m=15 s=2
